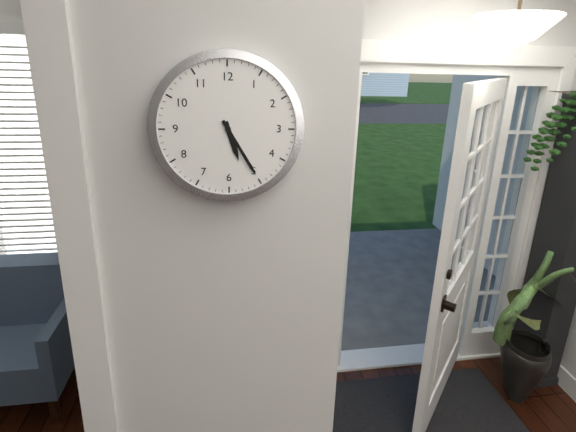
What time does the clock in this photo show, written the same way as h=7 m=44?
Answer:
h=5 m=25
